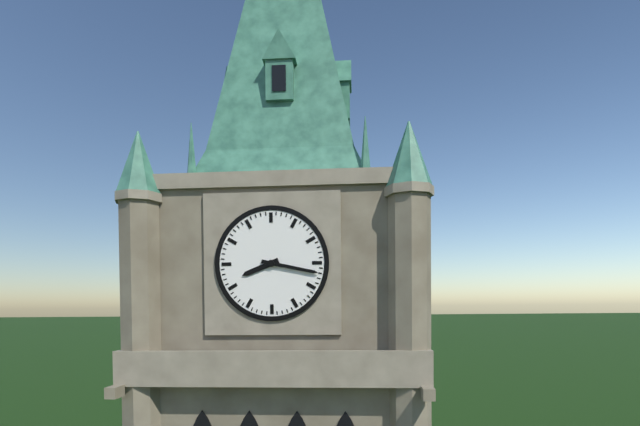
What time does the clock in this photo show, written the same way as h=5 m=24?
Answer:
h=8 m=17
